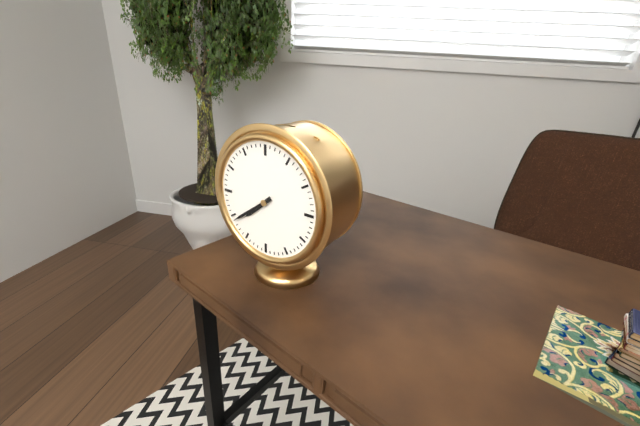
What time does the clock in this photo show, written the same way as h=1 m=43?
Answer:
h=7 m=39
